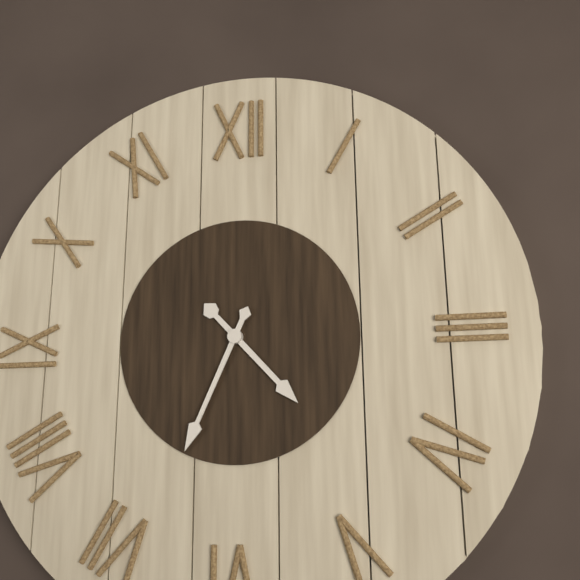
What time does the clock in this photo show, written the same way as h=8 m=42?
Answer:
h=4 m=34
